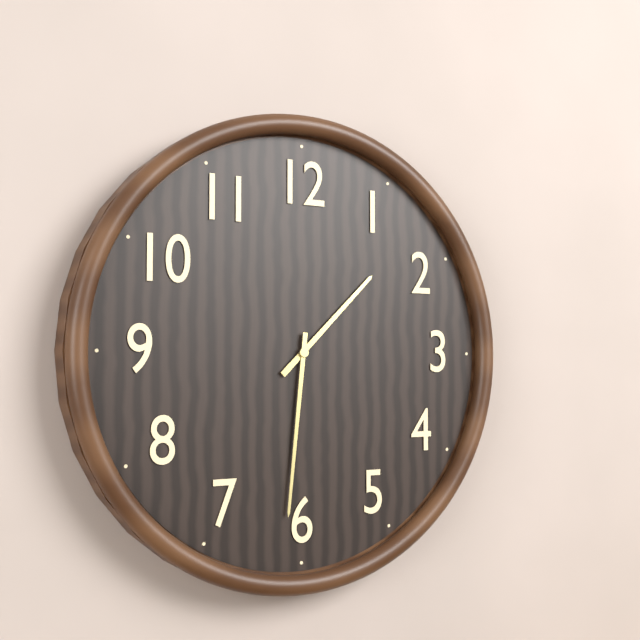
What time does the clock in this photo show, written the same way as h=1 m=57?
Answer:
h=1 m=31
